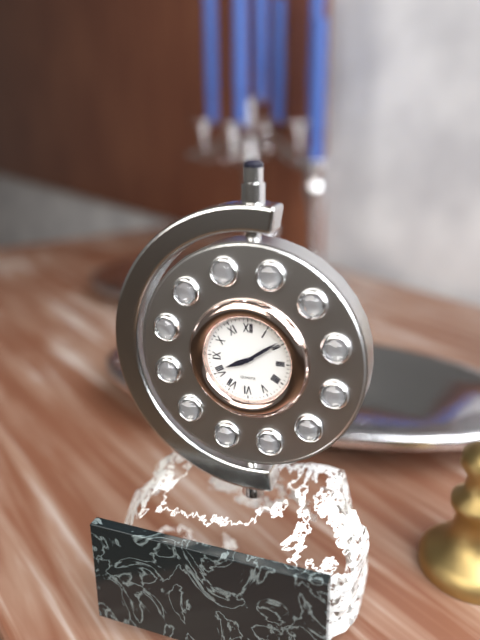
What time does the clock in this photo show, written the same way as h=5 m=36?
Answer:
h=8 m=9
